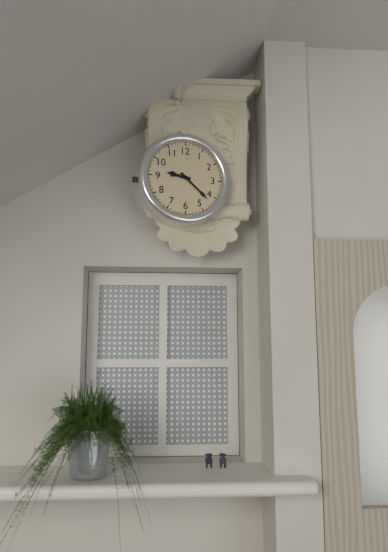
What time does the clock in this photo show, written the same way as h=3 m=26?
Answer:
h=9 m=22
